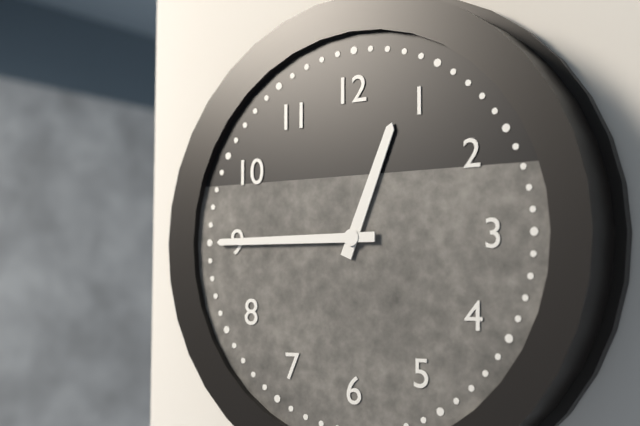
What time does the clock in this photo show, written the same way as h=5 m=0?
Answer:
h=12 m=45
